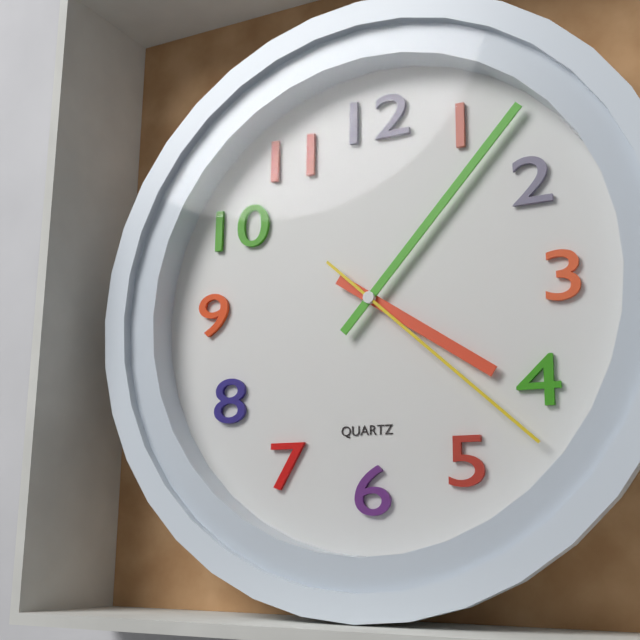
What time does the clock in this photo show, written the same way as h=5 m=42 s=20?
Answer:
h=4 m=7 s=22
